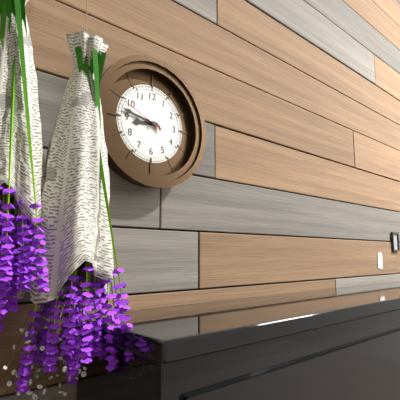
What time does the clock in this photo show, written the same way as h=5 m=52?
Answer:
h=8 m=47
